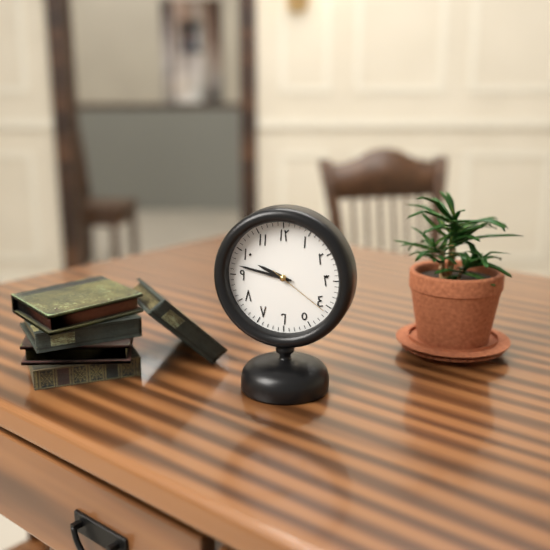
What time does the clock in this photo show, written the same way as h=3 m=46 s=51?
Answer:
h=9 m=47 s=21
